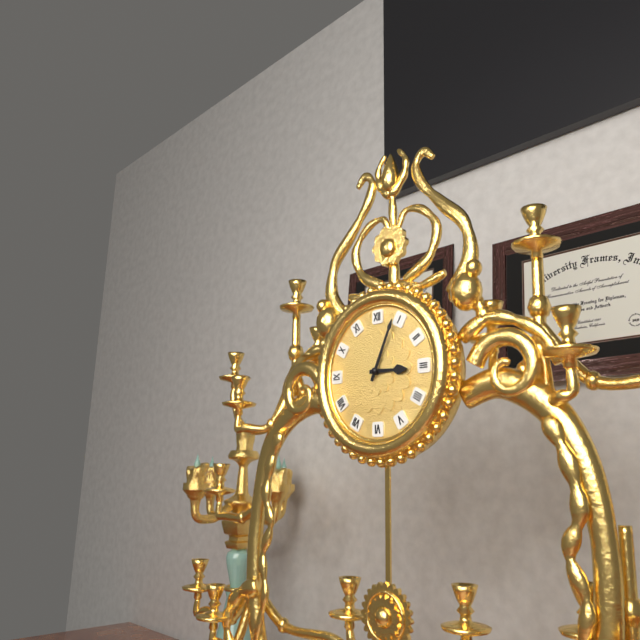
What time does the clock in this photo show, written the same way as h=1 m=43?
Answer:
h=3 m=4
